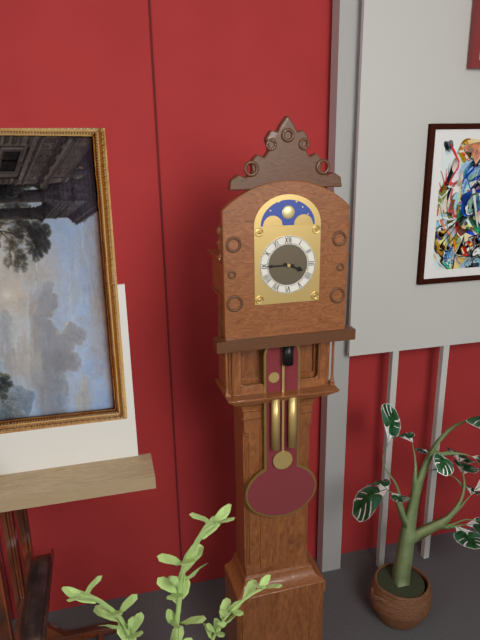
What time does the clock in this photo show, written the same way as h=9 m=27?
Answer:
h=3 m=45
